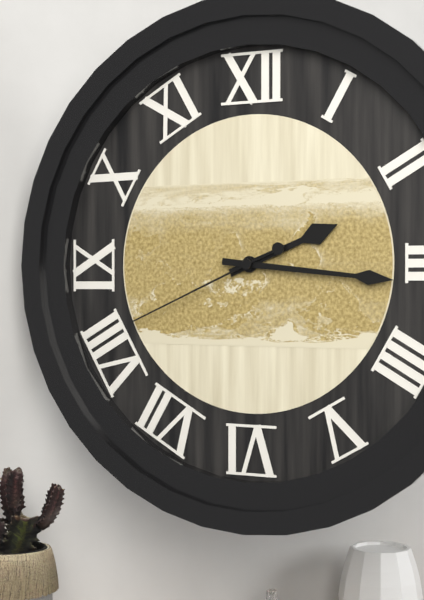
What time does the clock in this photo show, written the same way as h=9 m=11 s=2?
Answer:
h=2 m=16 s=41
